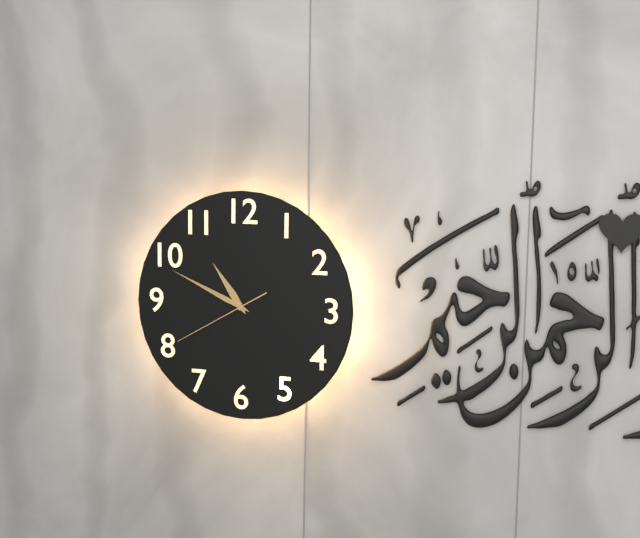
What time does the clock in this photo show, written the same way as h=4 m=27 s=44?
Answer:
h=10 m=49 s=40
